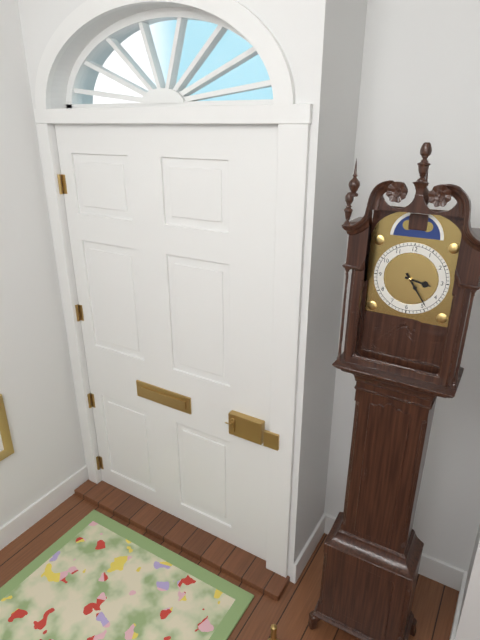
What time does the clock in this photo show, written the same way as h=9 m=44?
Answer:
h=3 m=24
